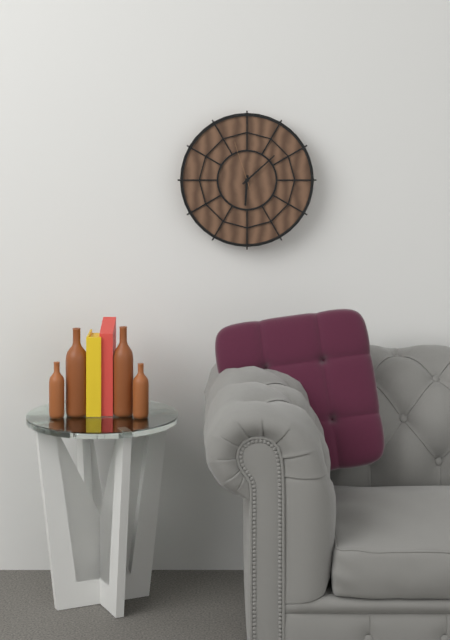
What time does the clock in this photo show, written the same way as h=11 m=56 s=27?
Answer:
h=6 m=8 s=57
